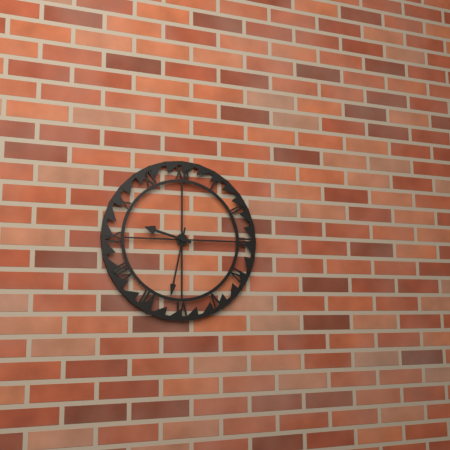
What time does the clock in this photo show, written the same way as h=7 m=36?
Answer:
h=9 m=32
